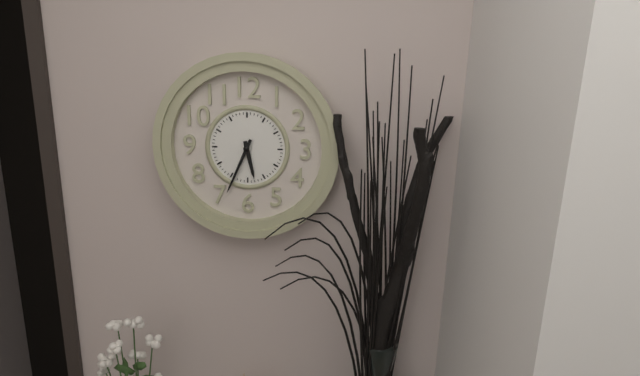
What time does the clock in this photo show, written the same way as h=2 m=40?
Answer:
h=5 m=34
